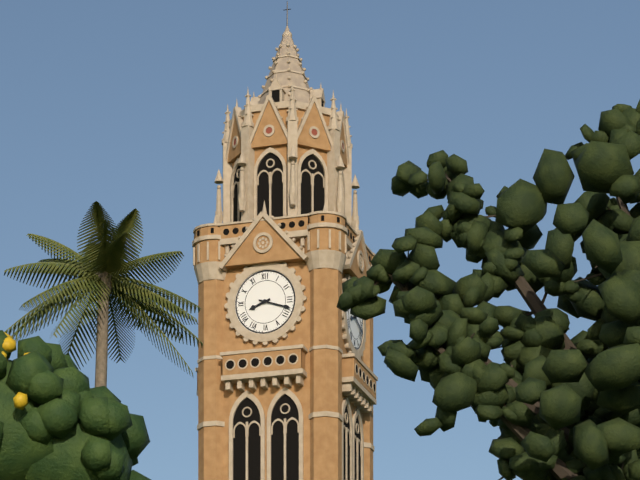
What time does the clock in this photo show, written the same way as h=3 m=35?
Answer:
h=8 m=18
